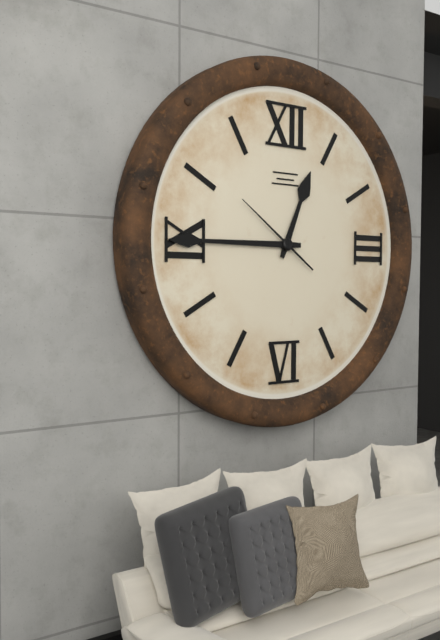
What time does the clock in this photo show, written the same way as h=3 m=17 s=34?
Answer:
h=12 m=45 s=51
